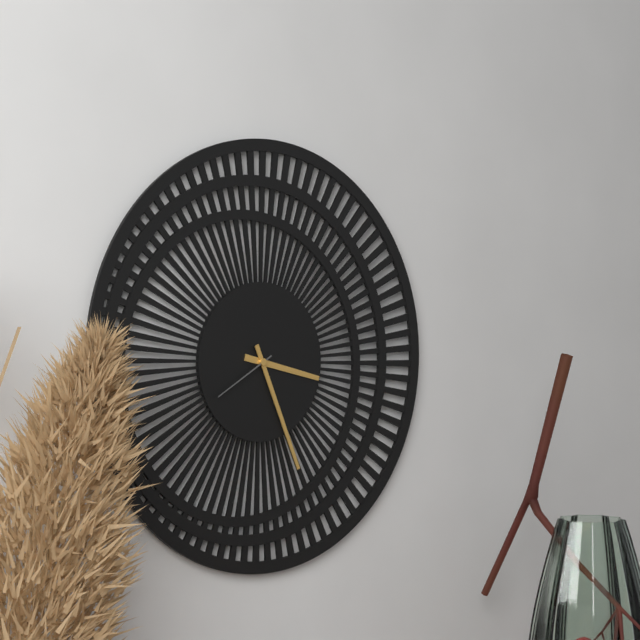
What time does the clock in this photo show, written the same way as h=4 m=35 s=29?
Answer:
h=3 m=26 s=40
